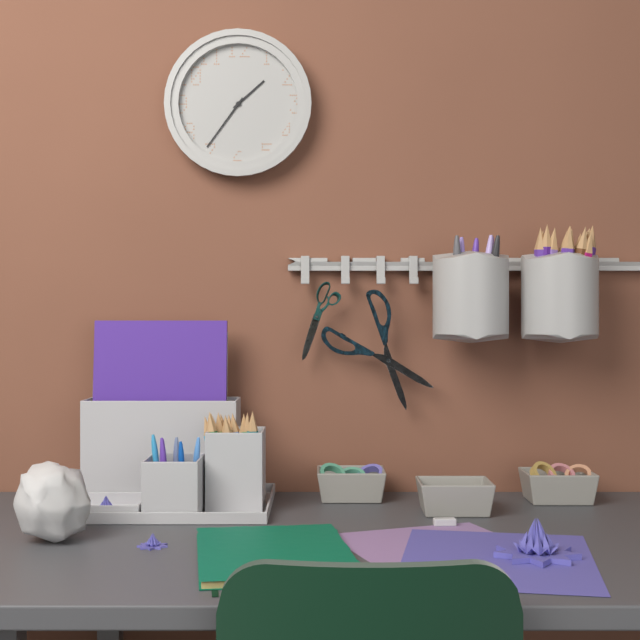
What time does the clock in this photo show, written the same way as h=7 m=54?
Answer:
h=1 m=36
